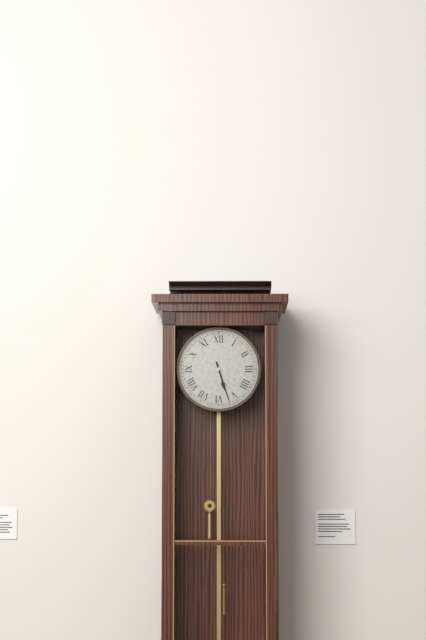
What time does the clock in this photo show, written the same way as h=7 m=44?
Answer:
h=5 m=27
